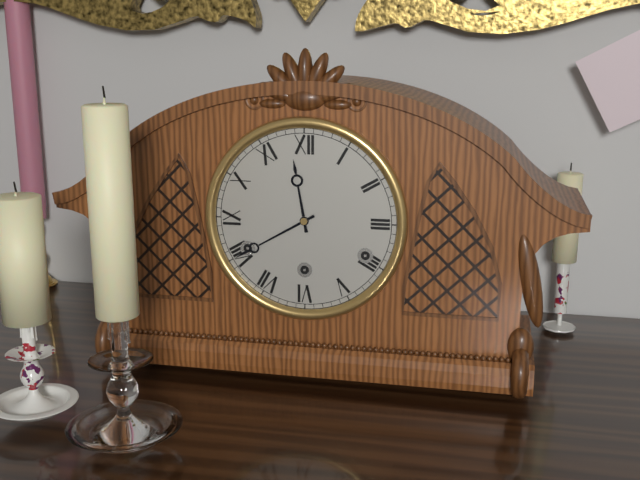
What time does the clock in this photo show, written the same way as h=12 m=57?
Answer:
h=11 m=40
